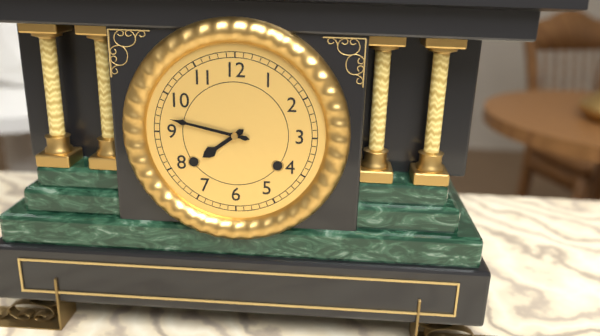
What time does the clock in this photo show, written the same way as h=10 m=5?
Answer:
h=7 m=47
